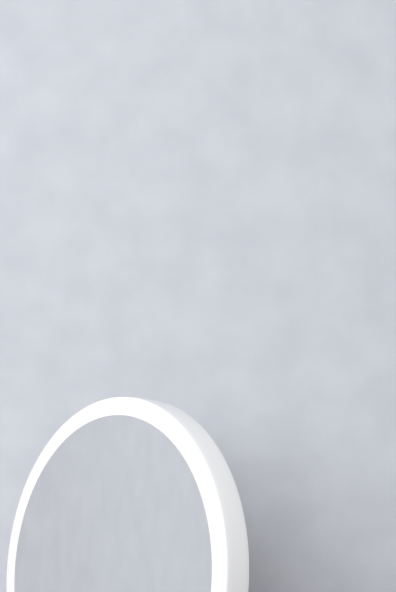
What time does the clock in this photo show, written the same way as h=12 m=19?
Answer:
h=1 m=50
